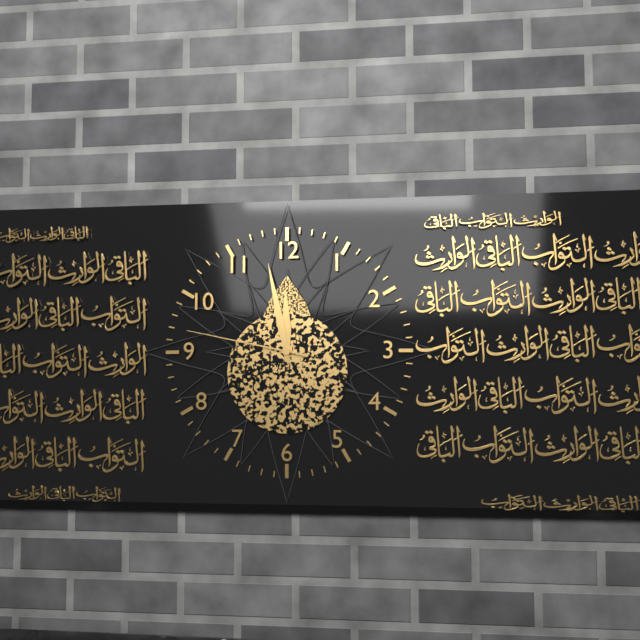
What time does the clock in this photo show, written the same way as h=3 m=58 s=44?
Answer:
h=11 m=58 s=47
